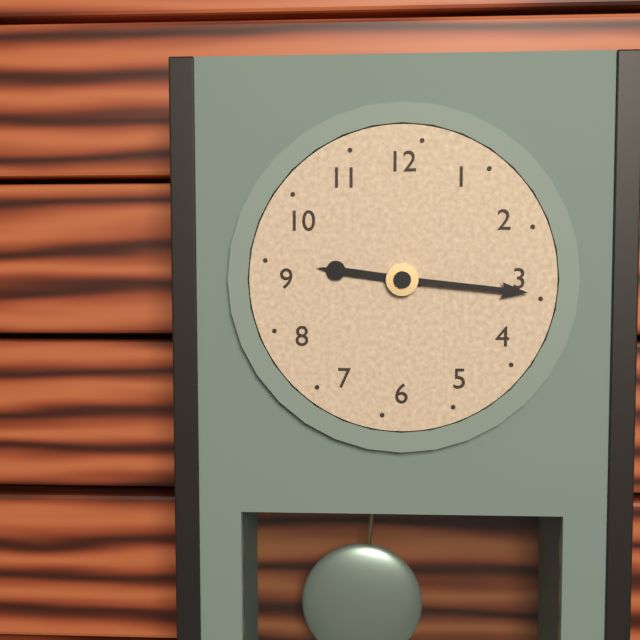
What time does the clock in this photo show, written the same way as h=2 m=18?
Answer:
h=9 m=16
